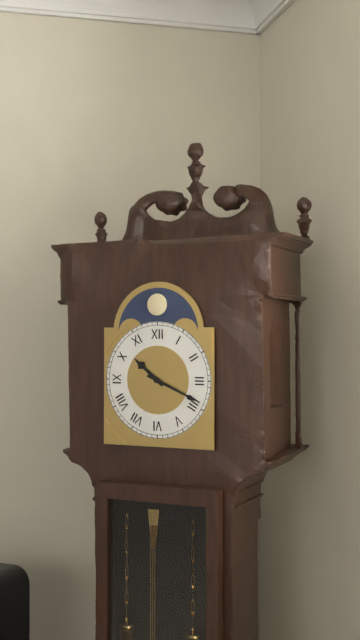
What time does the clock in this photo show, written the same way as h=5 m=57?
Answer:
h=10 m=19
